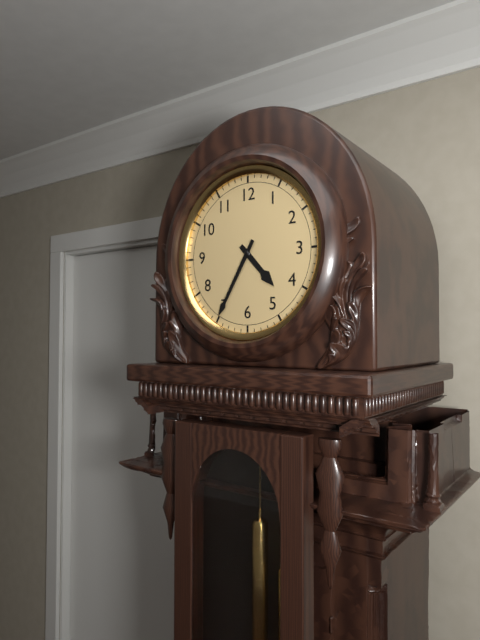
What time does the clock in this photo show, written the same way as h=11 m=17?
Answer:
h=4 m=35
